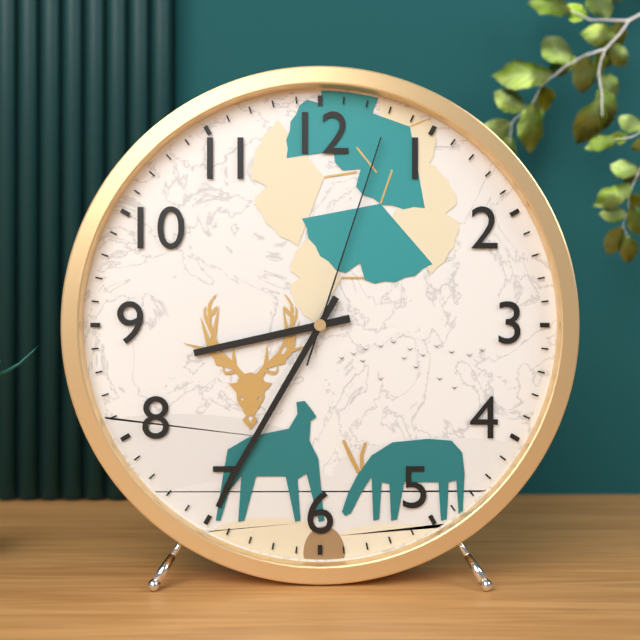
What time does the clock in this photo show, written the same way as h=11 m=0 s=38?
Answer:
h=8 m=35 s=3
